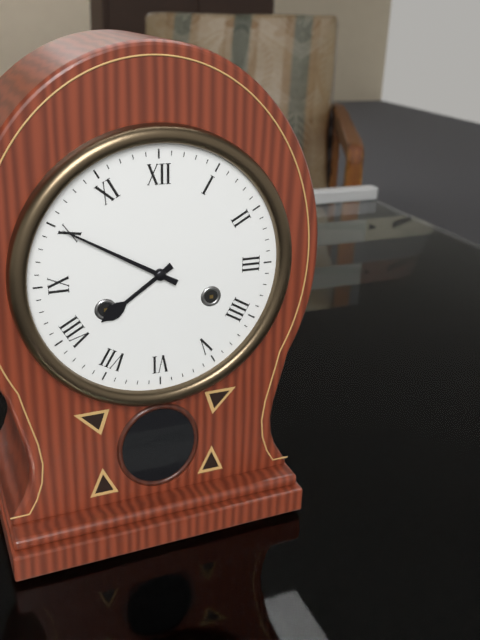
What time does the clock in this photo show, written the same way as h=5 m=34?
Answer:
h=7 m=50
